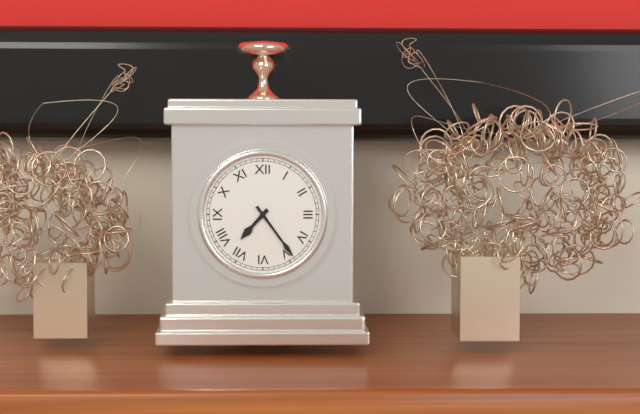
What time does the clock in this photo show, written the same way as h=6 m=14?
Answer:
h=7 m=24
